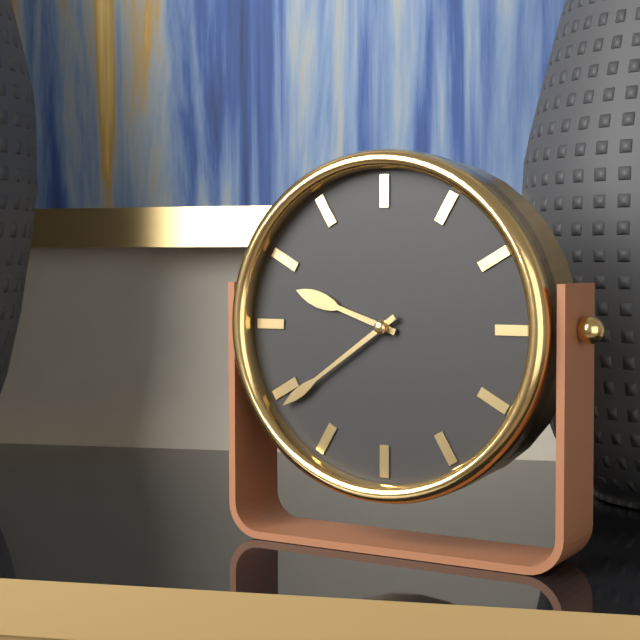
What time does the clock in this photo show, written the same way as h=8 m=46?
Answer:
h=9 m=39
